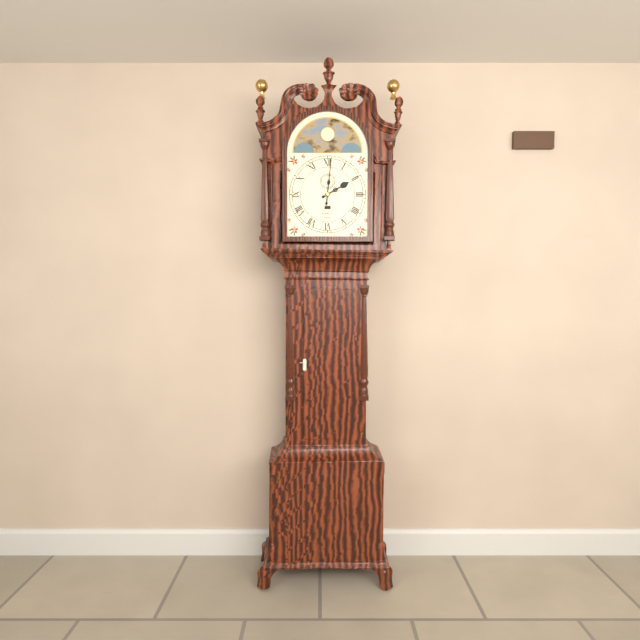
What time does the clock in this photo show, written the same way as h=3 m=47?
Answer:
h=2 m=1
